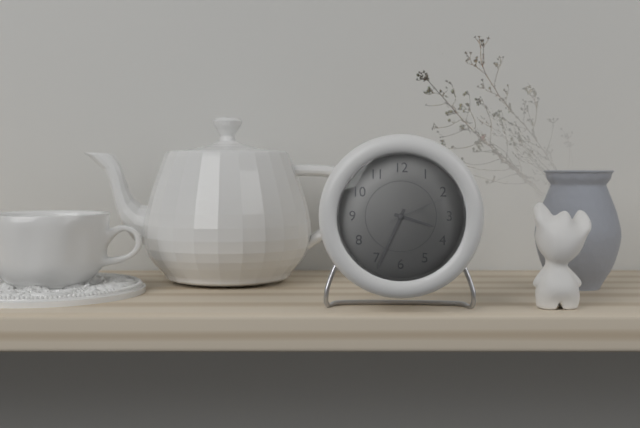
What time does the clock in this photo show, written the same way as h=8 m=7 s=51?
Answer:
h=3 m=34 s=11
